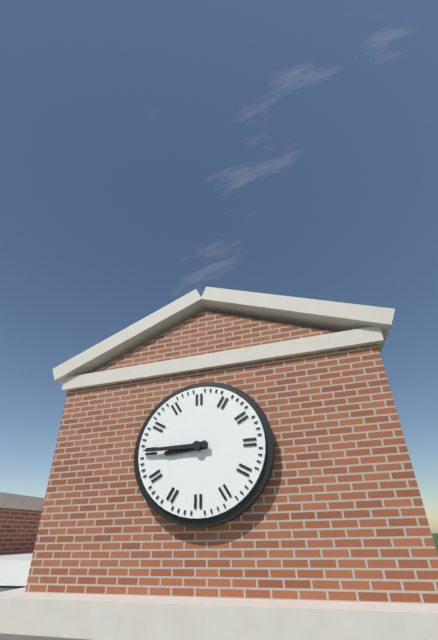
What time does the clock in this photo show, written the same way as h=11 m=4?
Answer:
h=8 m=45
